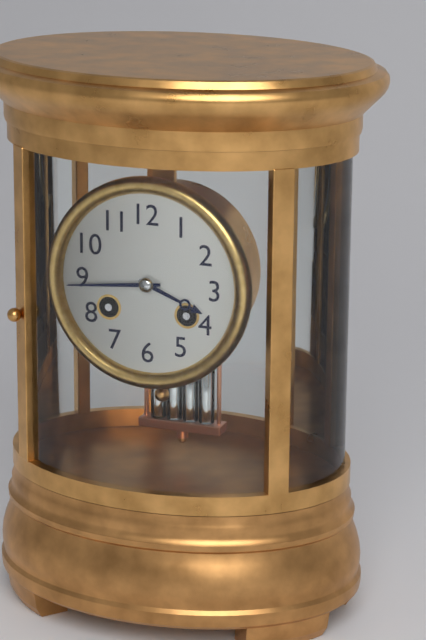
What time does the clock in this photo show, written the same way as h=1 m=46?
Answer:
h=3 m=44
